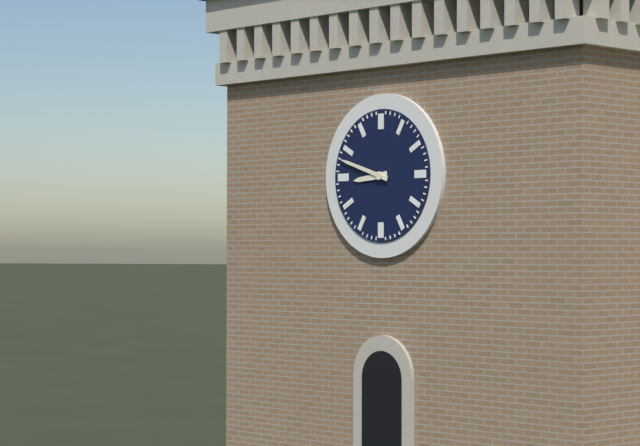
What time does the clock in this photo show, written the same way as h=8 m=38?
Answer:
h=8 m=48
